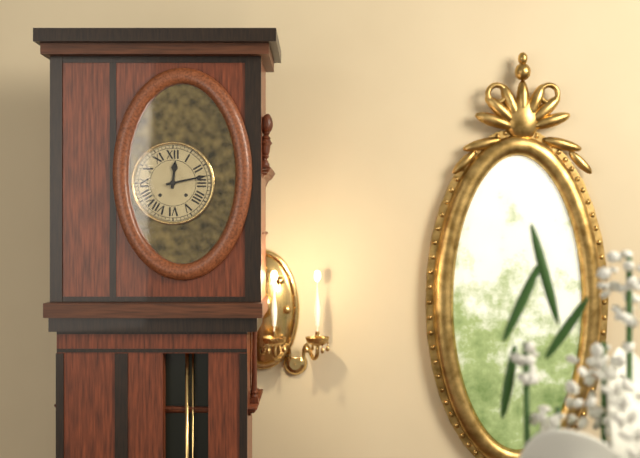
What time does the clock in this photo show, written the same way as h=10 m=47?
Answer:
h=12 m=13
